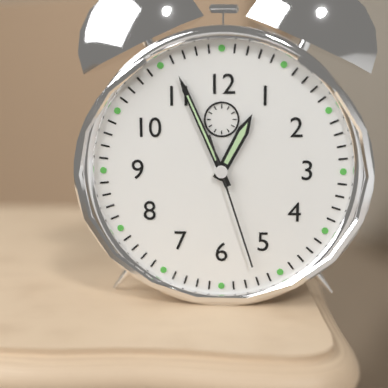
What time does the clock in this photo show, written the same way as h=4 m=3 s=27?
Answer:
h=12 m=56 s=27
